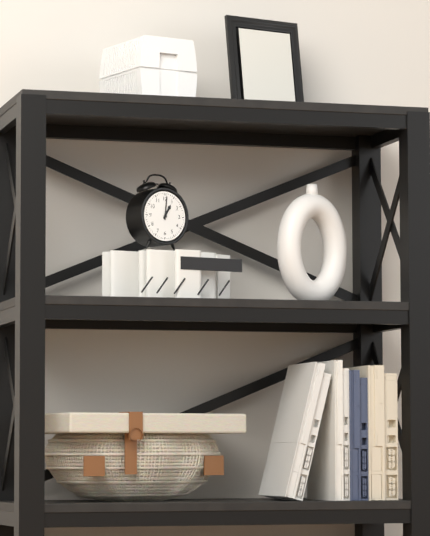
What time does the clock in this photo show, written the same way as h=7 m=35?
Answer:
h=1 m=1
